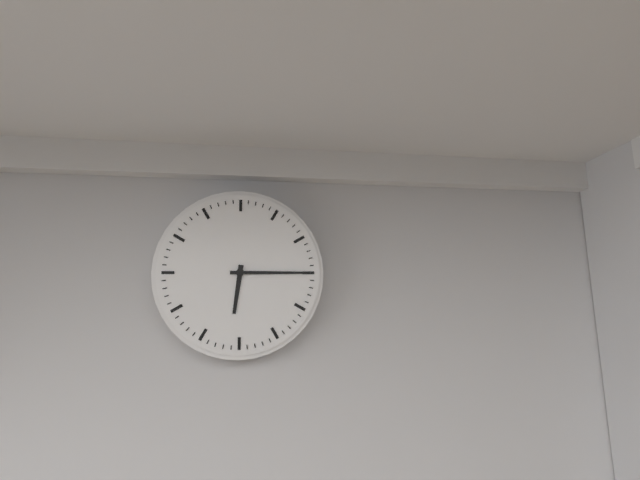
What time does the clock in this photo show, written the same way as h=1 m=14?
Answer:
h=6 m=15
